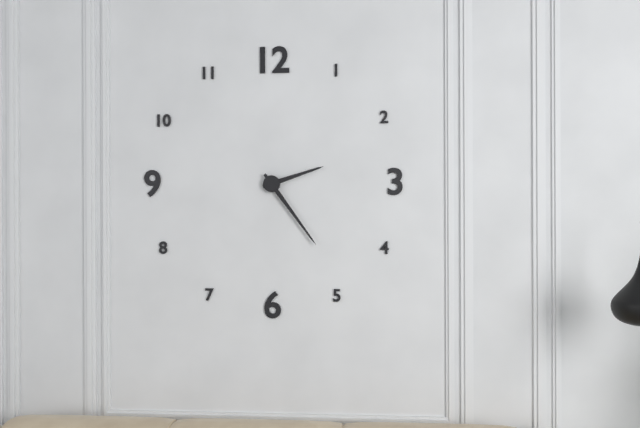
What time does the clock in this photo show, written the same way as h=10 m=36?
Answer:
h=2 m=24
